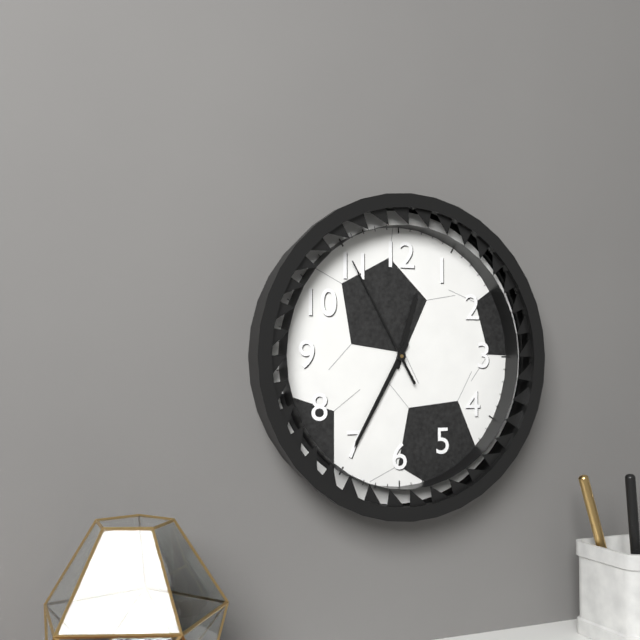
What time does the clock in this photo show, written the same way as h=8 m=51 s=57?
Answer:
h=12 m=35 s=55
